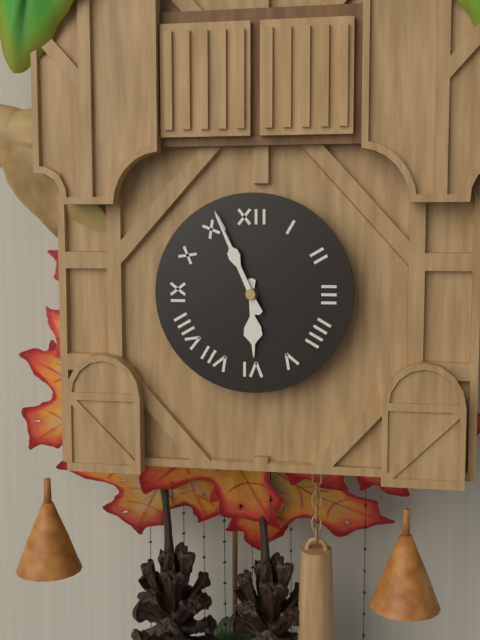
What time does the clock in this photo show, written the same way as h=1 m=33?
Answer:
h=5 m=56
